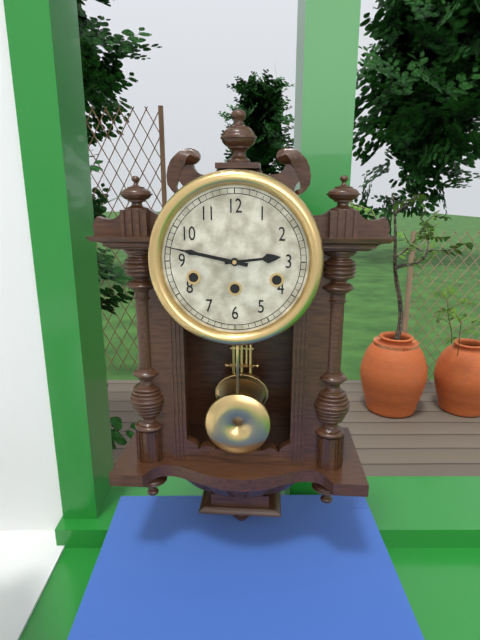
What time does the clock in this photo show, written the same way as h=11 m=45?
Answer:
h=2 m=47
